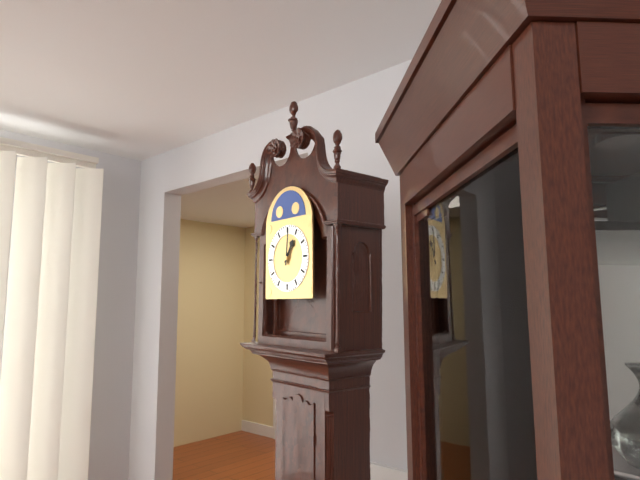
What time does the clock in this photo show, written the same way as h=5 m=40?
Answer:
h=1 m=1
